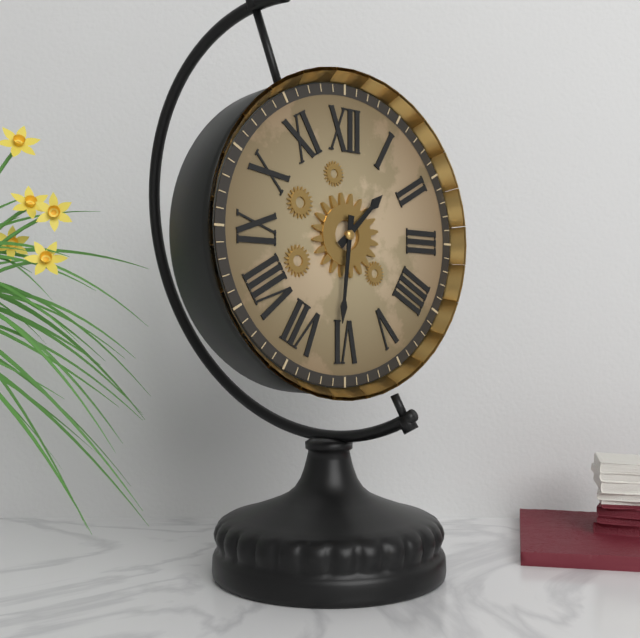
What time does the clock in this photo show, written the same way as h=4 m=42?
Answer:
h=1 m=31
